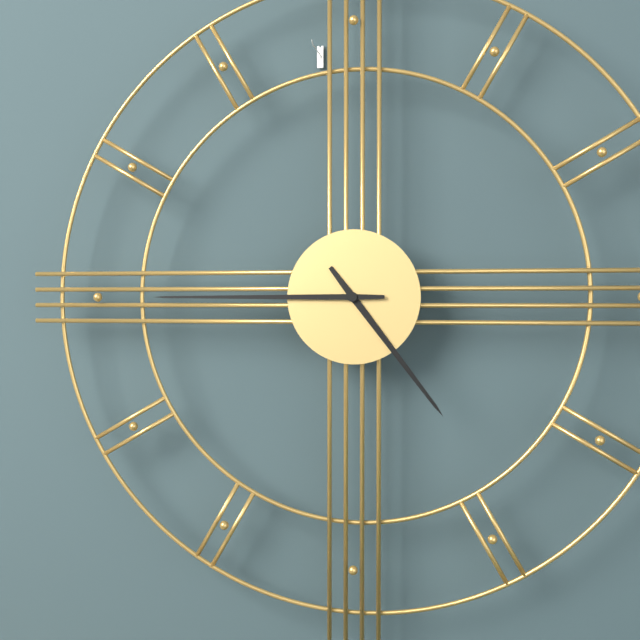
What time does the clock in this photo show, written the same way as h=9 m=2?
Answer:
h=4 m=45
